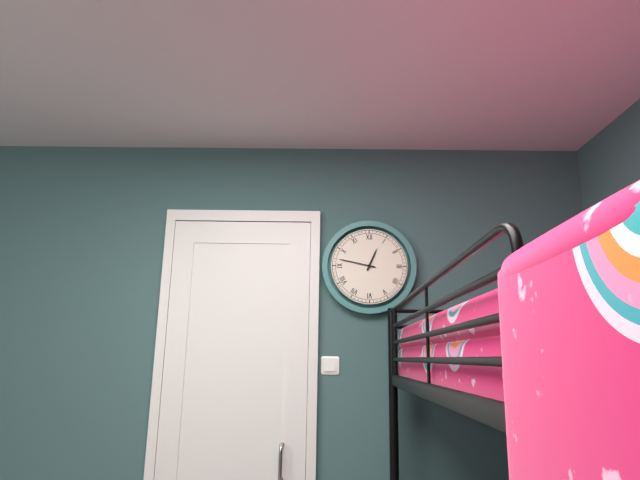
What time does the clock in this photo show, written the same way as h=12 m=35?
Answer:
h=12 m=47
